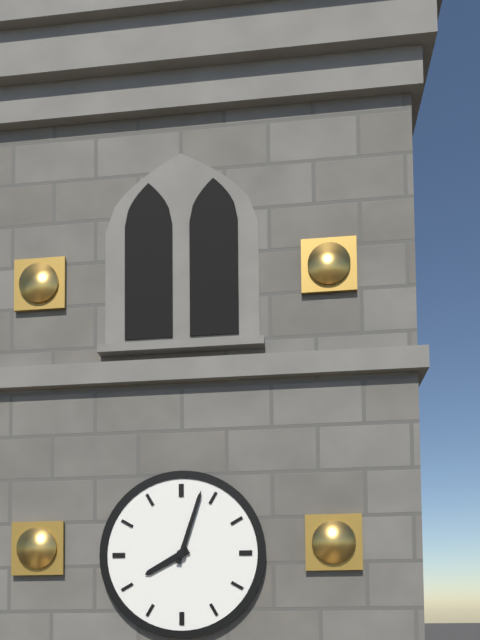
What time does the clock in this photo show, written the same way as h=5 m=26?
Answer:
h=8 m=3
